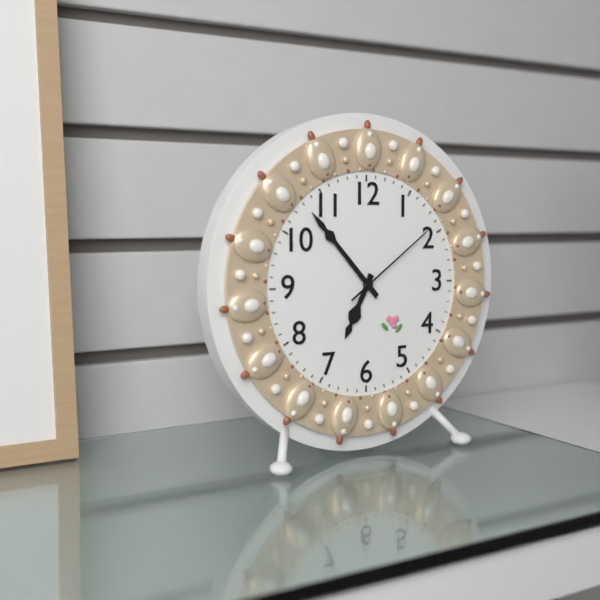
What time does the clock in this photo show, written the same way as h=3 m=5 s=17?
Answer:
h=6 m=53 s=9
